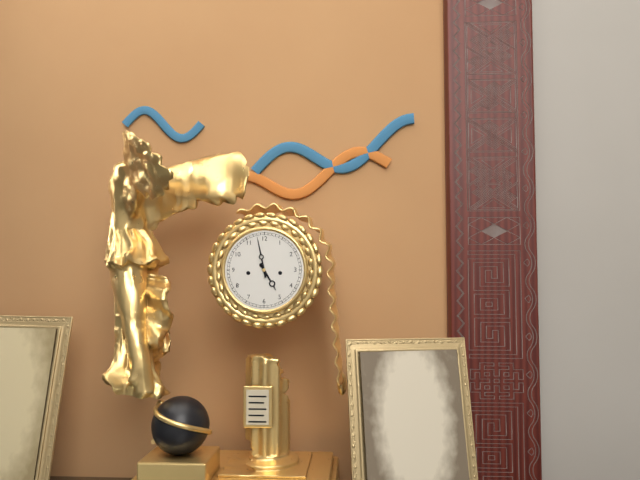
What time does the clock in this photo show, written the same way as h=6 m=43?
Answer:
h=4 m=58
